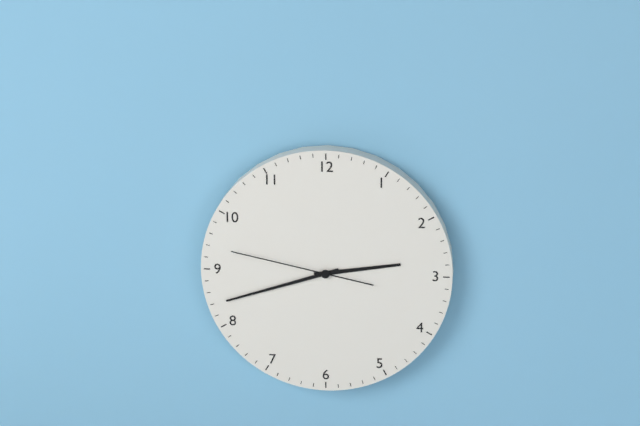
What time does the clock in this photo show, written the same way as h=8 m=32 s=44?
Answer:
h=2 m=42 s=47
